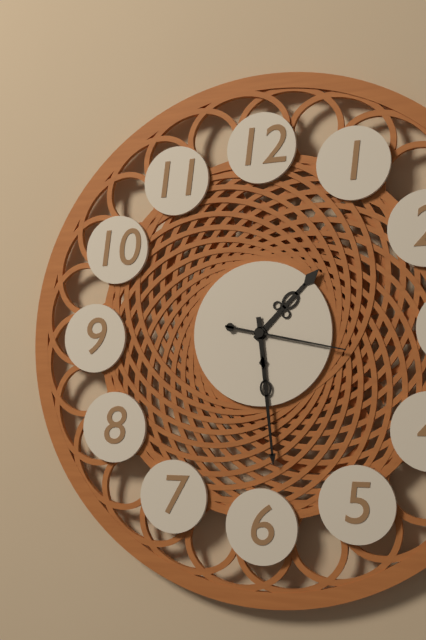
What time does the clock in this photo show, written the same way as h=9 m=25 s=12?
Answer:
h=1 m=29 s=17
